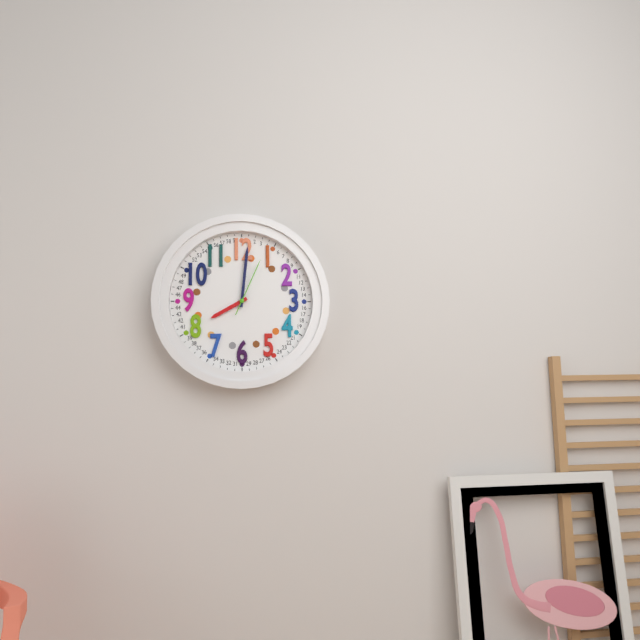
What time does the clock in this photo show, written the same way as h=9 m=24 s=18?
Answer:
h=8 m=1 s=4
